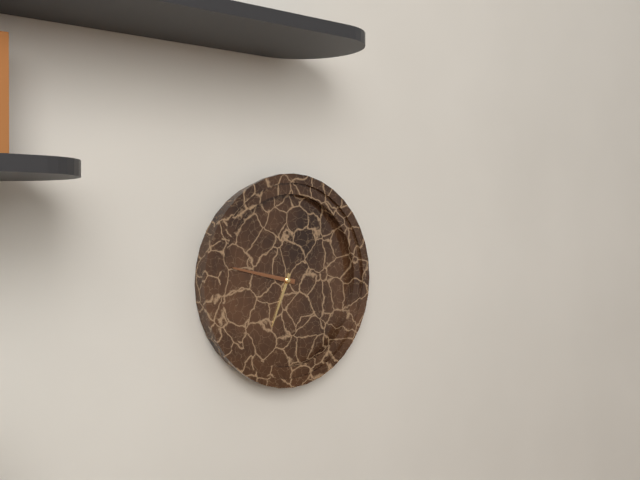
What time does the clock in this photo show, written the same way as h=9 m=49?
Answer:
h=6 m=47
